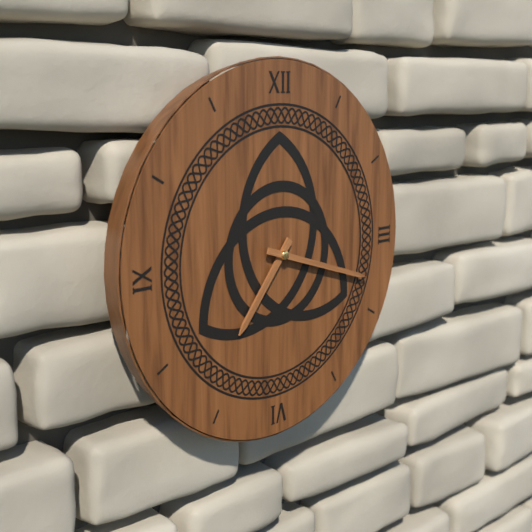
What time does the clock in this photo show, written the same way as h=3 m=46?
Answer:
h=7 m=18
